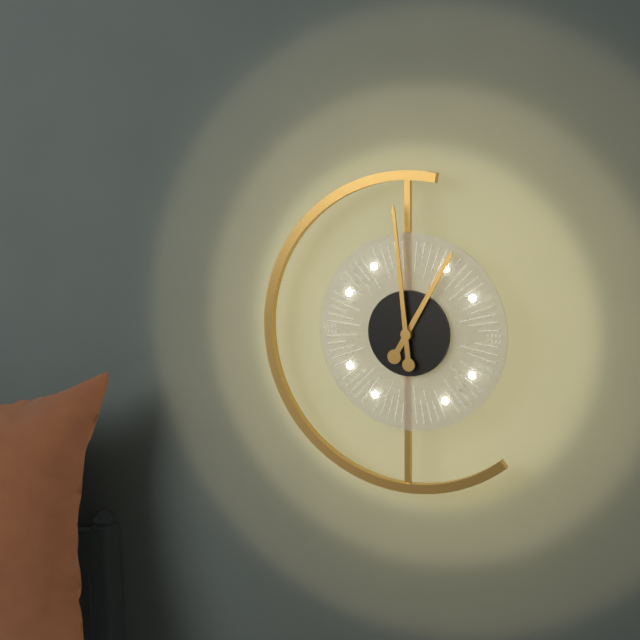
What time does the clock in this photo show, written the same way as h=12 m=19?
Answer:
h=12 m=59
